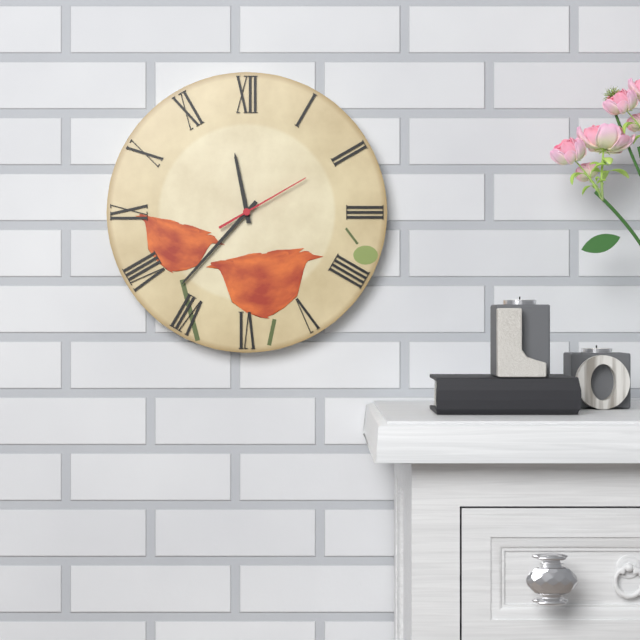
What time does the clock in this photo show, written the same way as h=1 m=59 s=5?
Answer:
h=11 m=37 s=10
